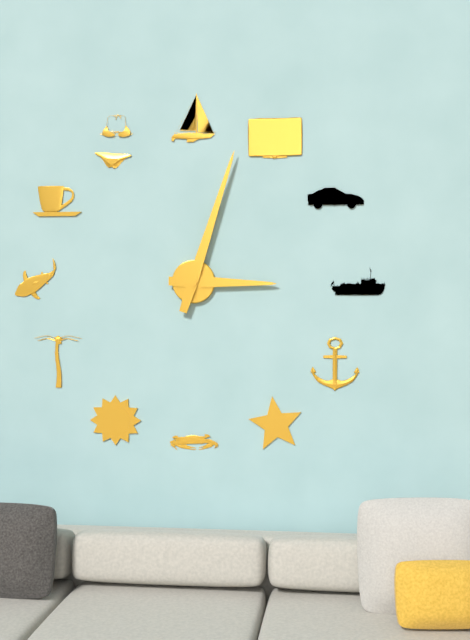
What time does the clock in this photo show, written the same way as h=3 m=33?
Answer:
h=3 m=3
